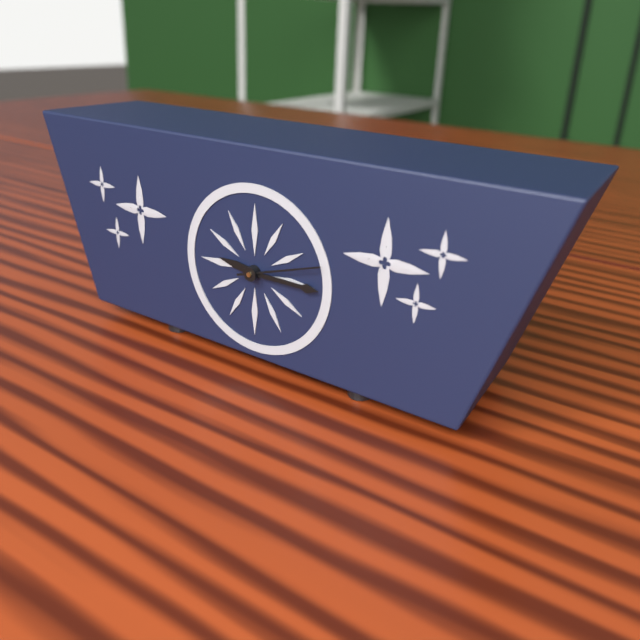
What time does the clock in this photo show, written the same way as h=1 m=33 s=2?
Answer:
h=9 m=15 s=12
